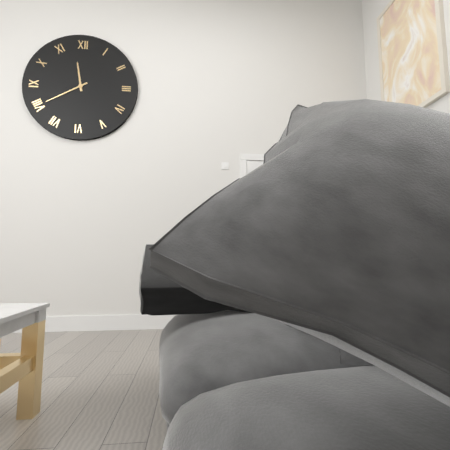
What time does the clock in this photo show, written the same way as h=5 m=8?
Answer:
h=11 m=40
